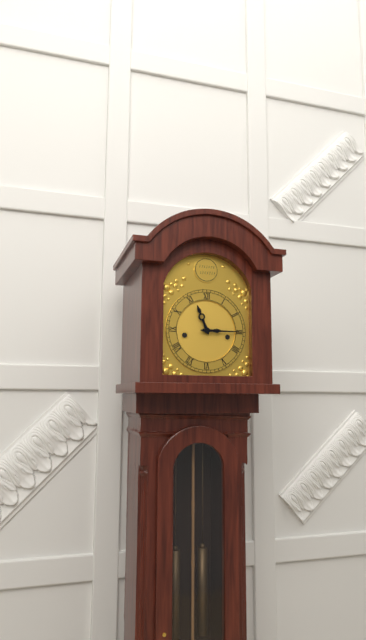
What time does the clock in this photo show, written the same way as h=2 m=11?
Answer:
h=11 m=15
